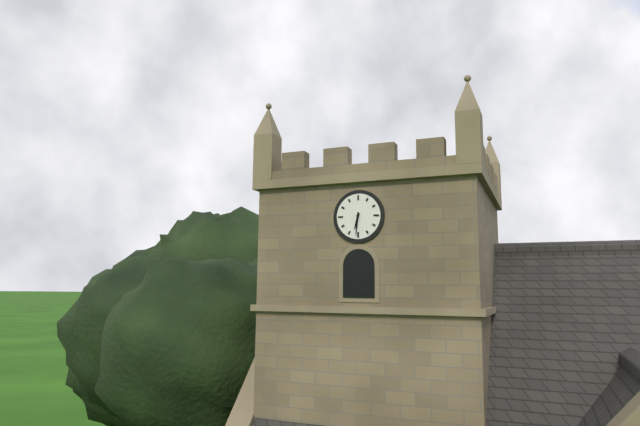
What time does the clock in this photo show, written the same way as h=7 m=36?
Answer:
h=6 m=31
